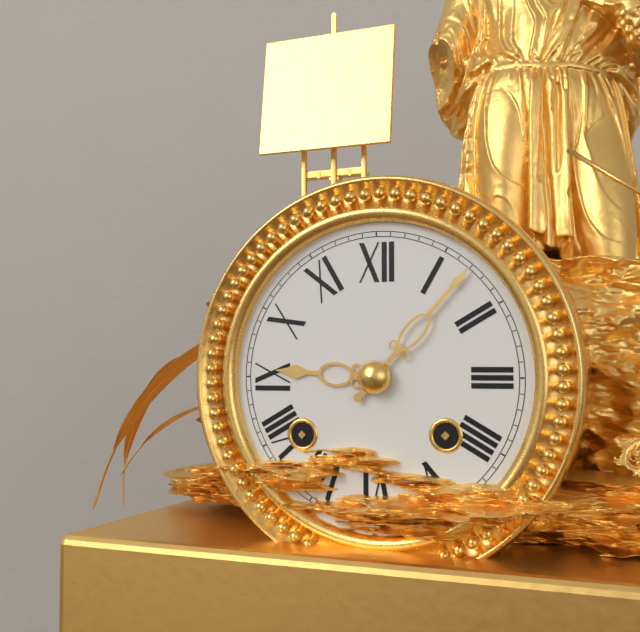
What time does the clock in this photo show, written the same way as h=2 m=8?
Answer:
h=9 m=7
